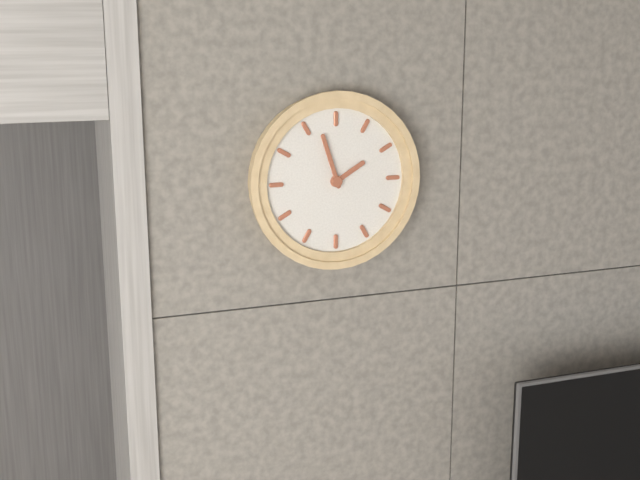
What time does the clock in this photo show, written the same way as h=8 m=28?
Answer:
h=1 m=57
